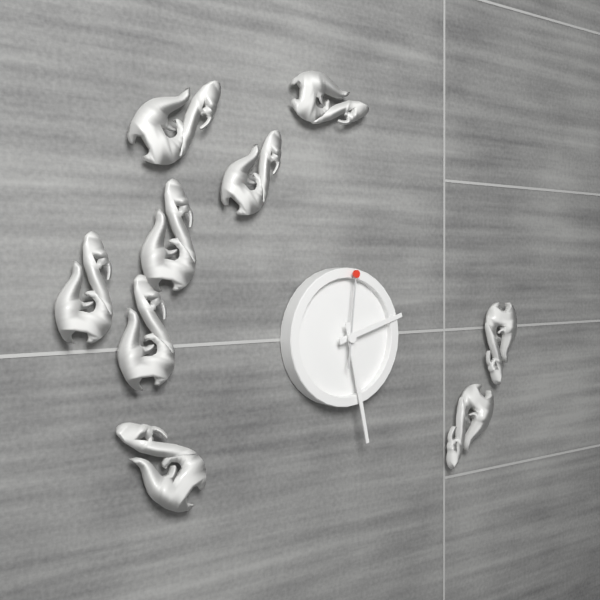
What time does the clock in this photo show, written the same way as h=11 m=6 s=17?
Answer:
h=2 m=28 s=1
